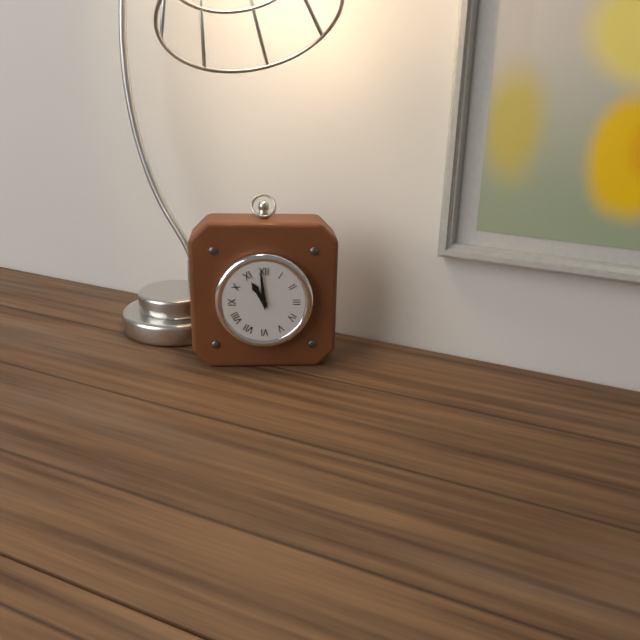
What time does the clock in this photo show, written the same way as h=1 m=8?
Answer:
h=10 m=59
